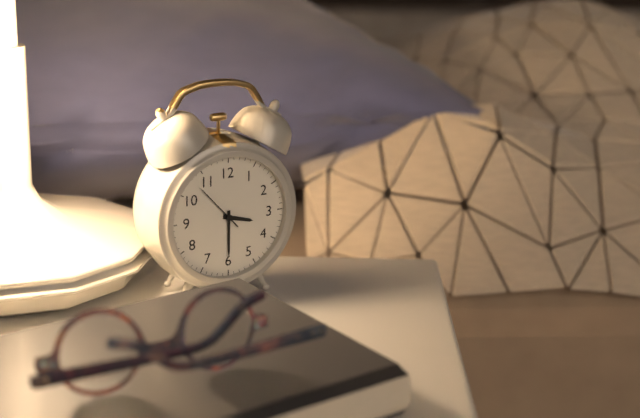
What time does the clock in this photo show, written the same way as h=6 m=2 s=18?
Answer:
h=3 m=30 s=53
